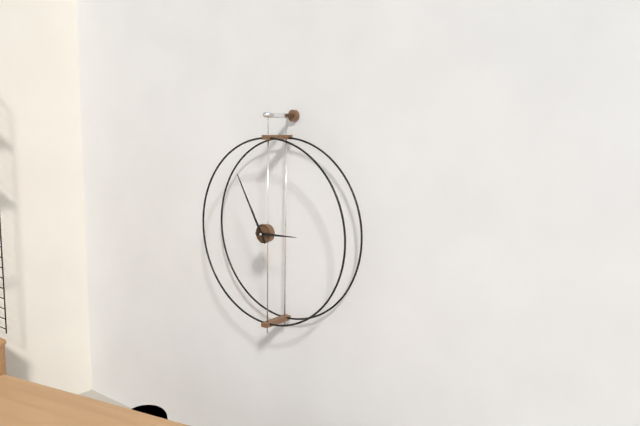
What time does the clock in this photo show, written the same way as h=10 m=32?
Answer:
h=2 m=55
